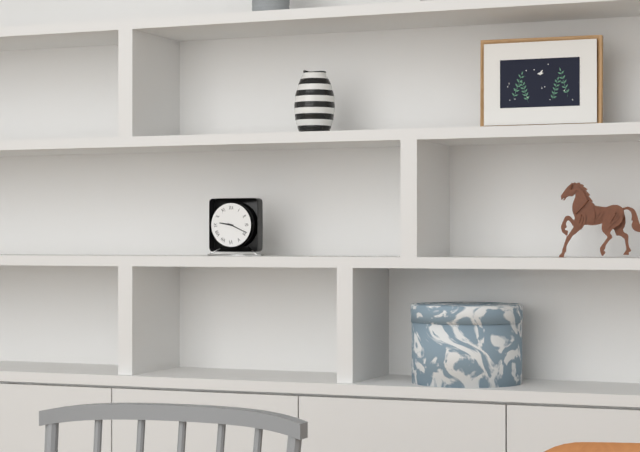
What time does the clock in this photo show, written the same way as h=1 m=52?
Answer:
h=9 m=19
